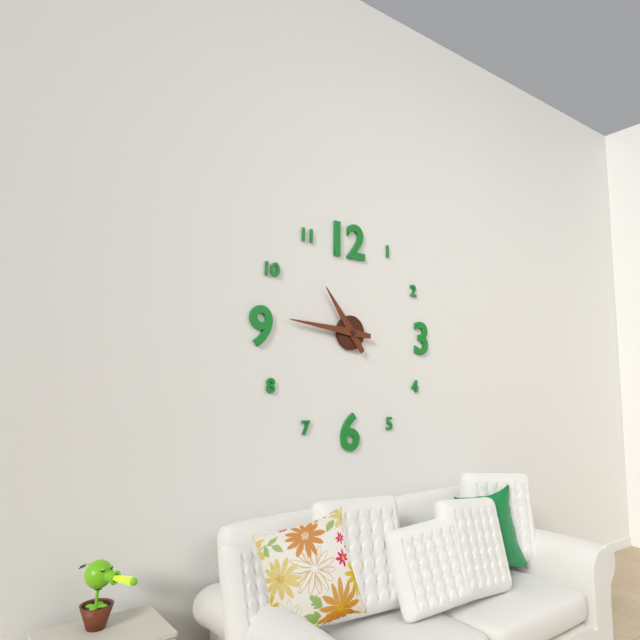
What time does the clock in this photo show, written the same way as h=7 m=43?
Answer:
h=10 m=46
